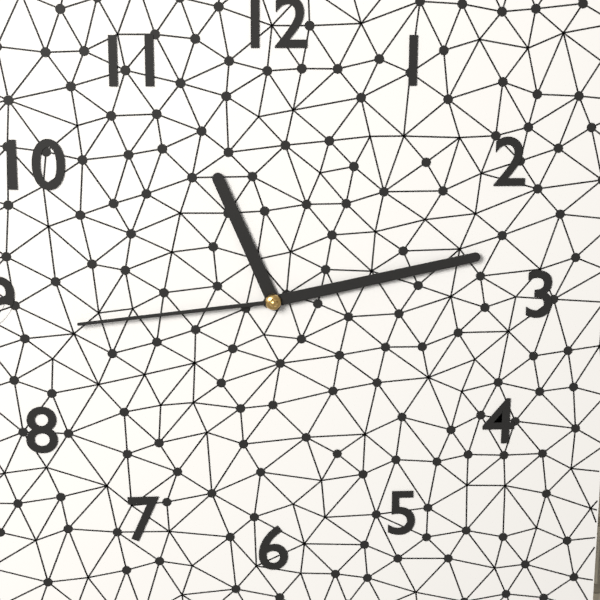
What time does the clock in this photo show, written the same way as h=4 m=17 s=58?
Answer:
h=11 m=13 s=44
